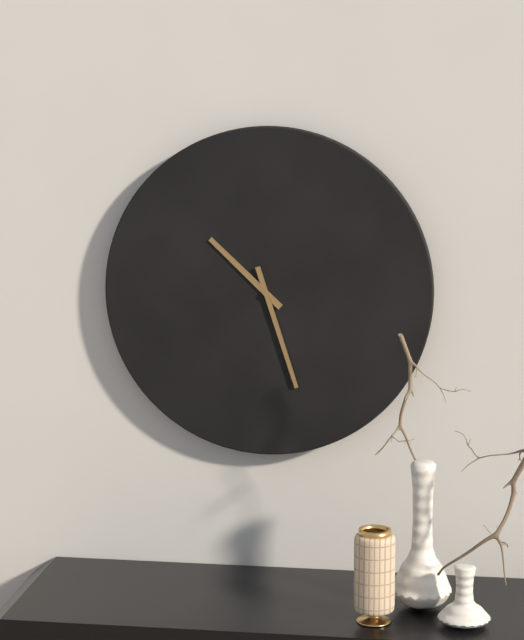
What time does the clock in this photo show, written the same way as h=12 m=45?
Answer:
h=10 m=27
